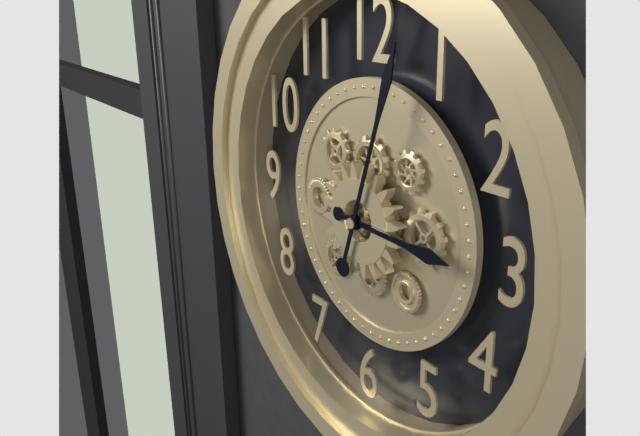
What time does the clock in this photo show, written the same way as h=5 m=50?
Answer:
h=3 m=3
